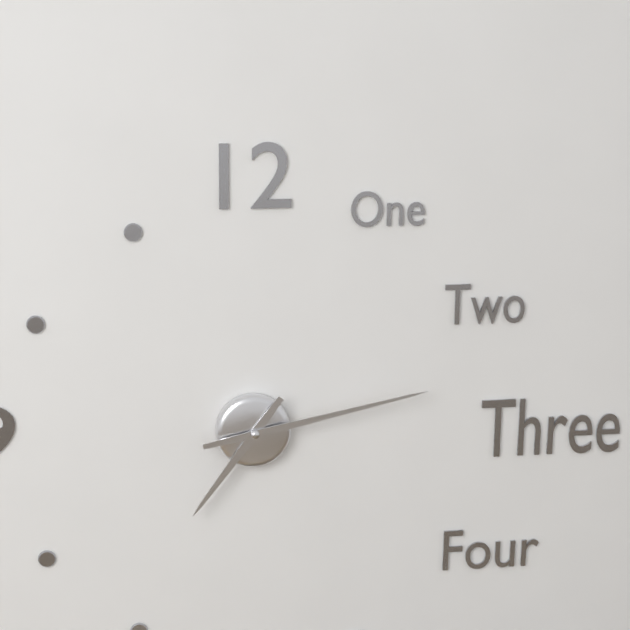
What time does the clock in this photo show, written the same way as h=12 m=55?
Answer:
h=7 m=13
